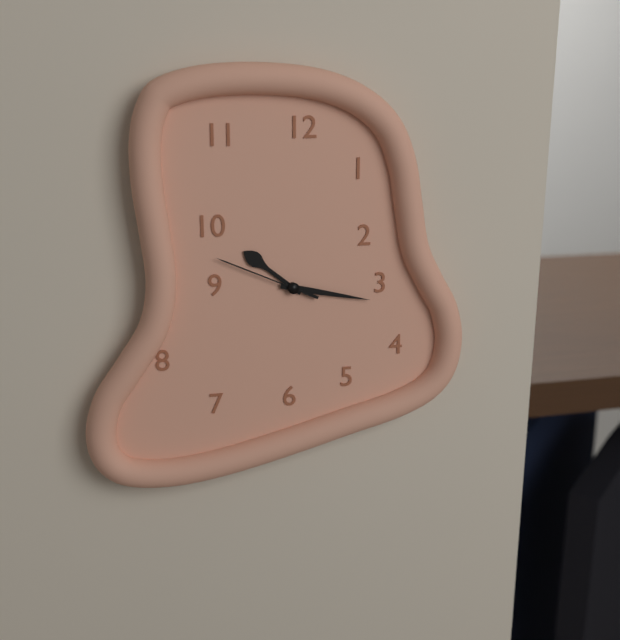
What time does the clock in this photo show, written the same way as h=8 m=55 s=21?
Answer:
h=10 m=17 s=49
